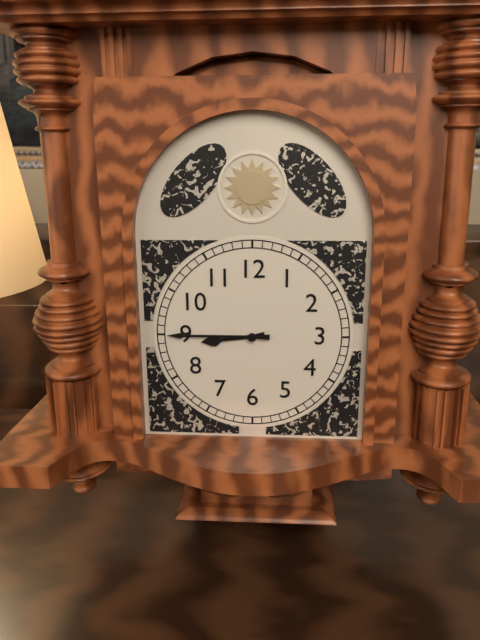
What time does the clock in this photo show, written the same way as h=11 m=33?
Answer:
h=8 m=45
